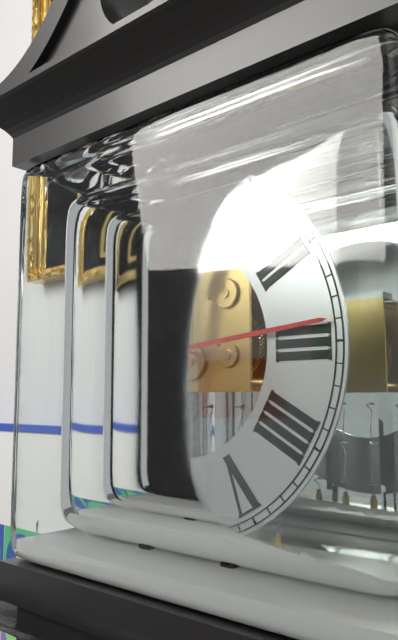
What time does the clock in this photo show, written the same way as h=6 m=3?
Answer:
h=12 m=14
